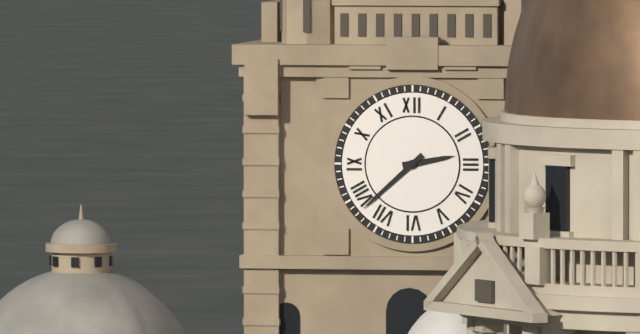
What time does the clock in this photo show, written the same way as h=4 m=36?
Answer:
h=2 m=38
